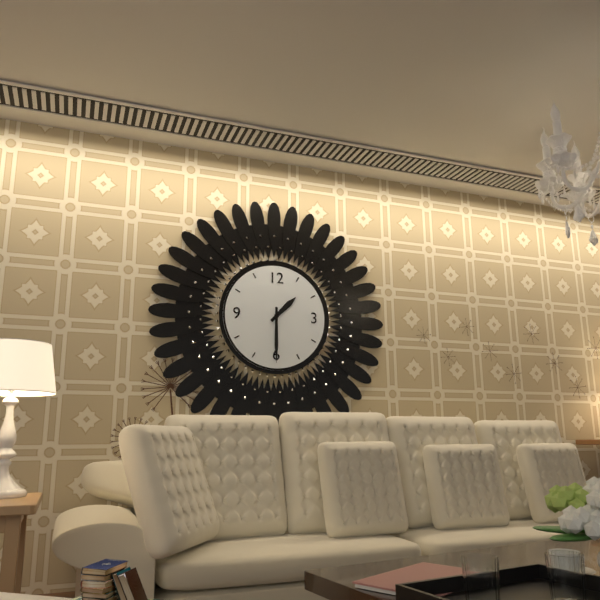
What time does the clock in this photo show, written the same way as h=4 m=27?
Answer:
h=1 m=30
